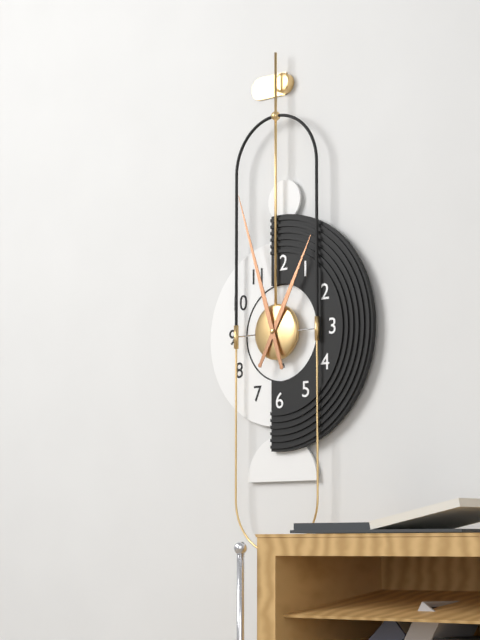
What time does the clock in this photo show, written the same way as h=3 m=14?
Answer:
h=12 m=57
